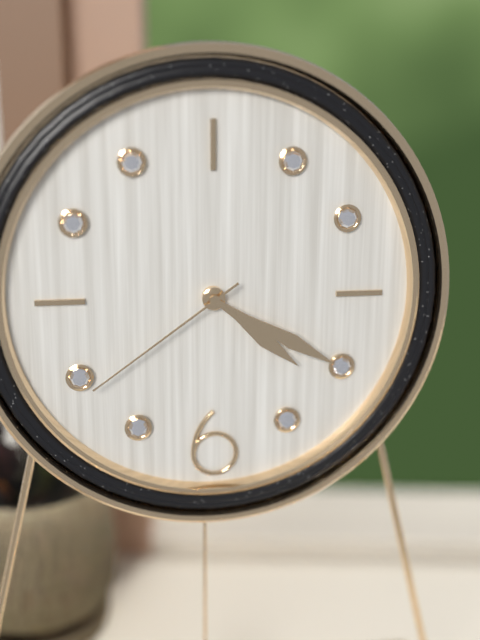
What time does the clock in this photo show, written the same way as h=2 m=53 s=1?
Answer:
h=4 m=20 s=39
